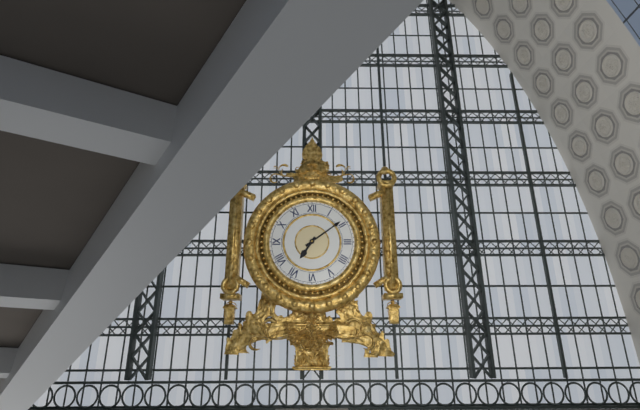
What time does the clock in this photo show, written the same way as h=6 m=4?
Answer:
h=7 m=9
